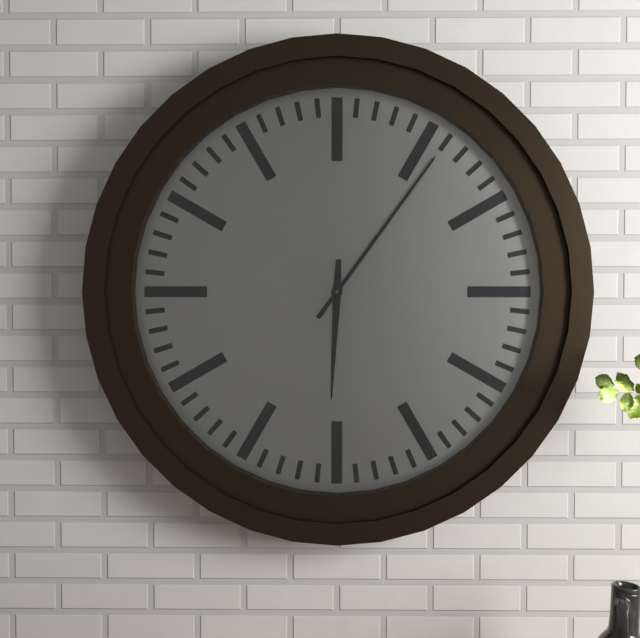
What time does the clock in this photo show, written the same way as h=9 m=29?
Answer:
h=6 m=6
